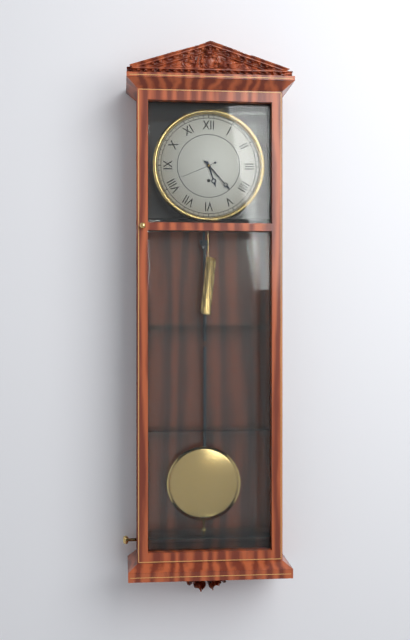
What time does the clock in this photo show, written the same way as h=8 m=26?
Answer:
h=5 m=23
